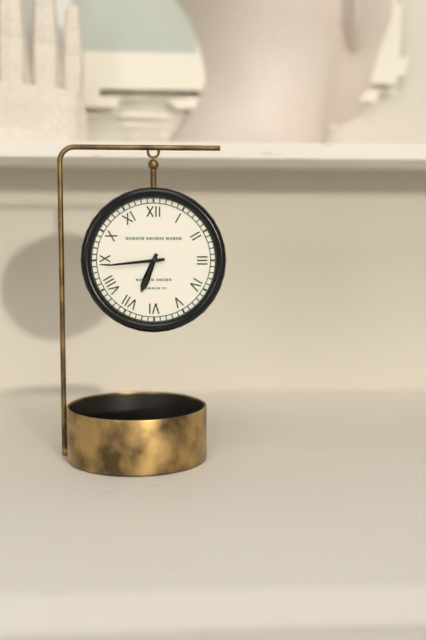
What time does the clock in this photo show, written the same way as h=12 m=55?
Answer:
h=6 m=44
